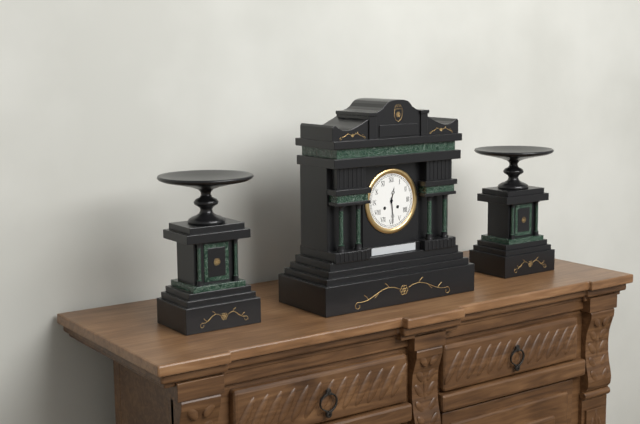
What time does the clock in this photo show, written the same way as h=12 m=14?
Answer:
h=12 m=29
